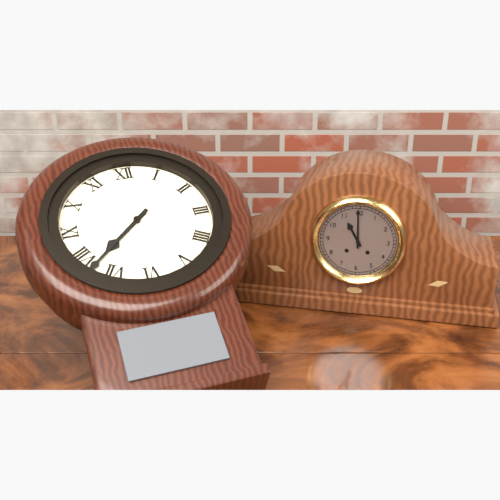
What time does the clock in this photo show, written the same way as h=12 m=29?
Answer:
h=7 m=38
